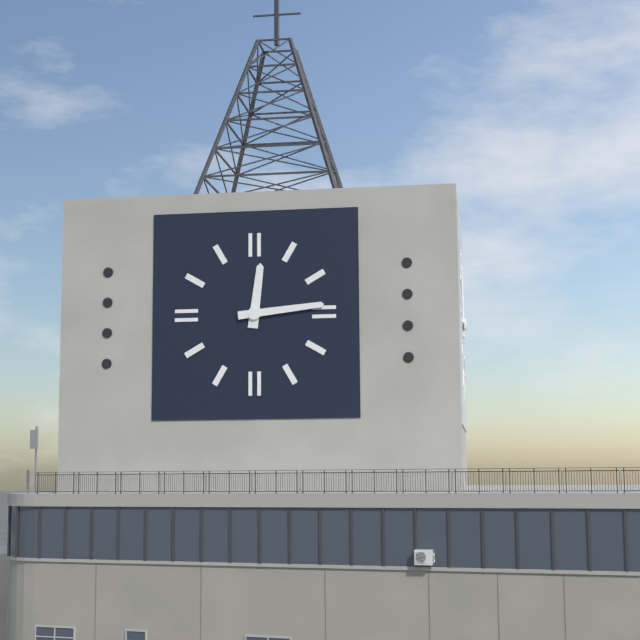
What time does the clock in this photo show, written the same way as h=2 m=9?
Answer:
h=12 m=14
